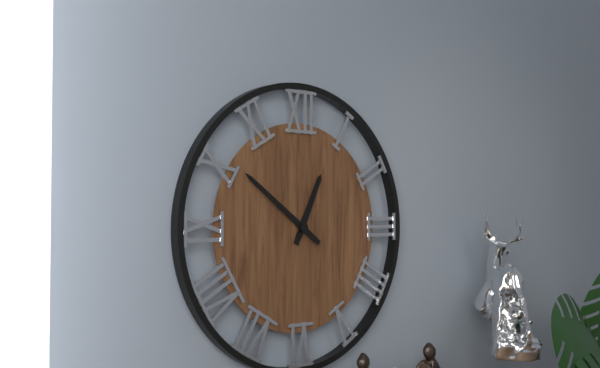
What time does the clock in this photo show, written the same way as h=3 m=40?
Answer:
h=12 m=51
